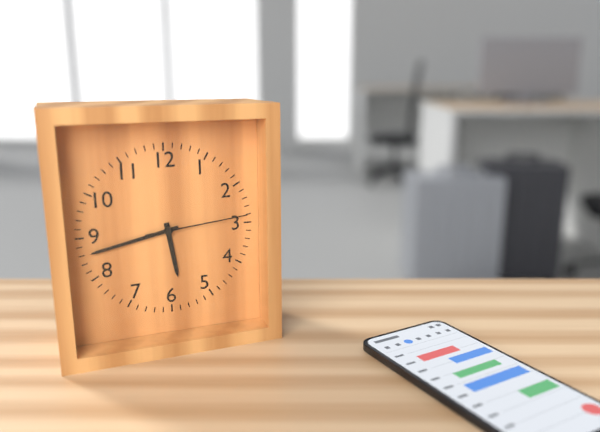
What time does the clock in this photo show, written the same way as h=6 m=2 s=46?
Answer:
h=5 m=43 s=14
